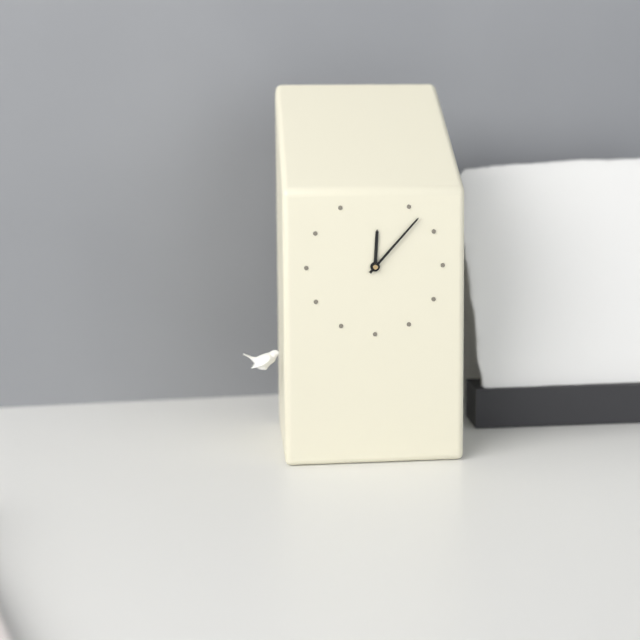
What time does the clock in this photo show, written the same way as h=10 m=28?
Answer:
h=12 m=7
